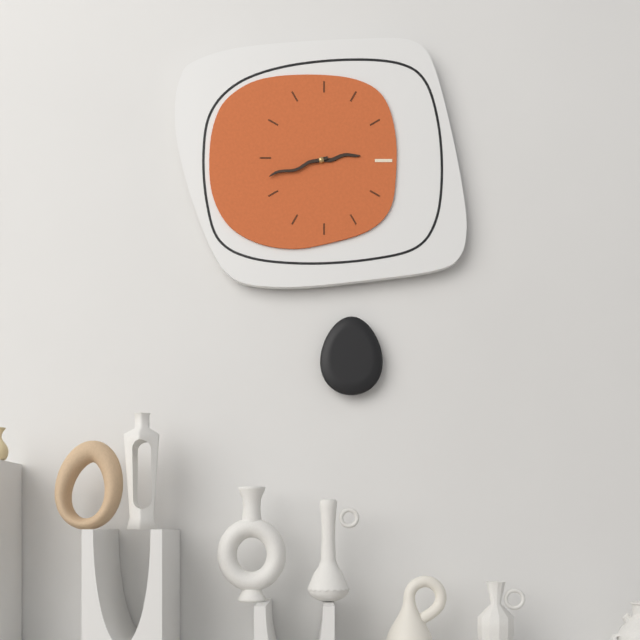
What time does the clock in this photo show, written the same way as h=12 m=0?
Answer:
h=2 m=42
